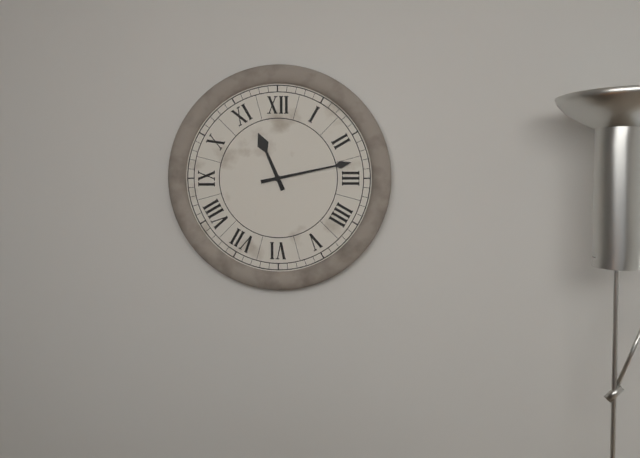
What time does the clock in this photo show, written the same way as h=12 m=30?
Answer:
h=11 m=13
